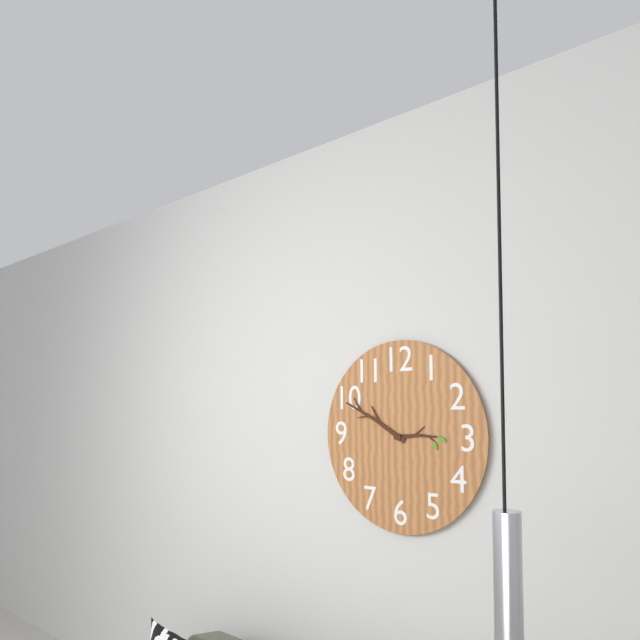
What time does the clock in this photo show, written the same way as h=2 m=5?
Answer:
h=2 m=50
